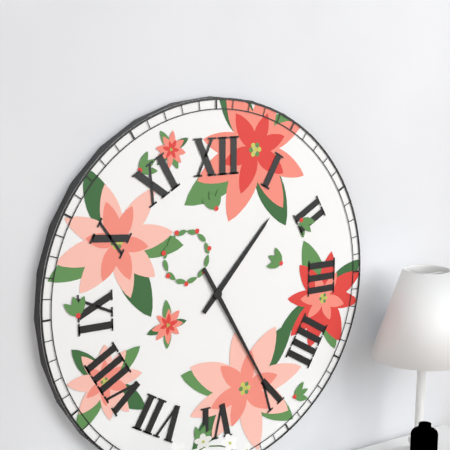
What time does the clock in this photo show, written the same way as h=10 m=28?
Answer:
h=1 m=25
